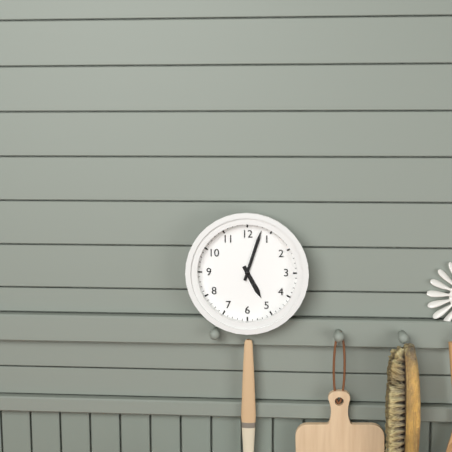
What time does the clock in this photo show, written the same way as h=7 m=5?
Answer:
h=5 m=3
